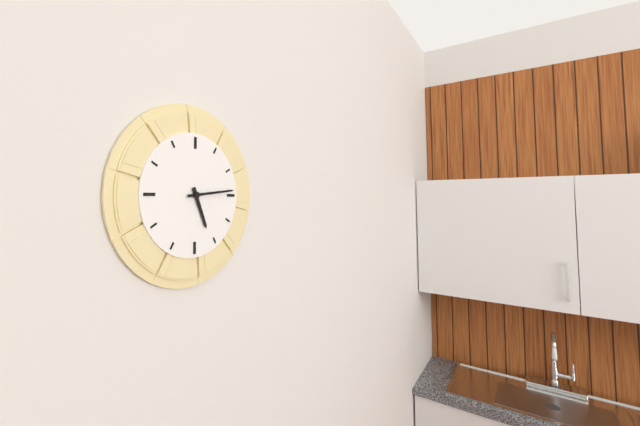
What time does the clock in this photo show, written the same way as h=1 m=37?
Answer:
h=5 m=14
